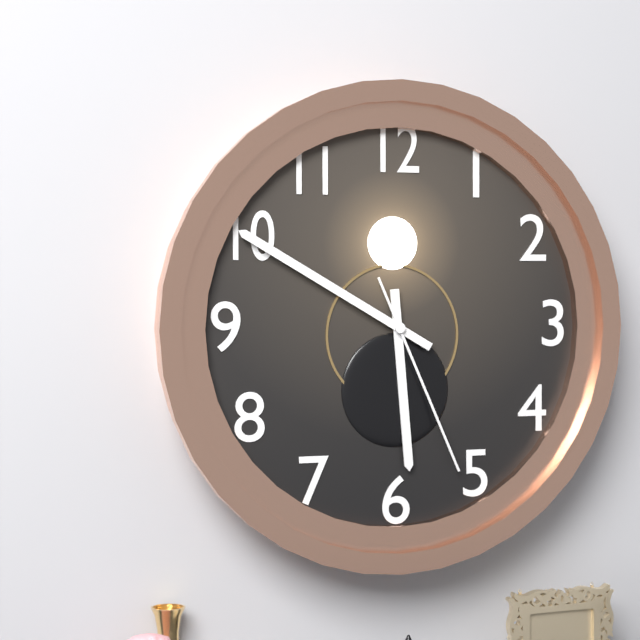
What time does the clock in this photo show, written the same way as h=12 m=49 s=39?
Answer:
h=5 m=50 s=26
